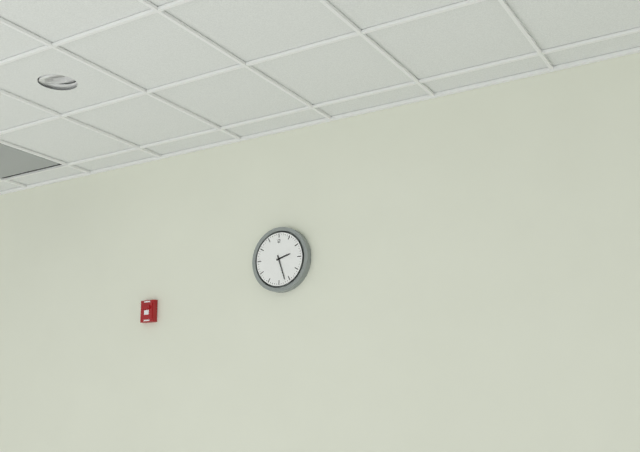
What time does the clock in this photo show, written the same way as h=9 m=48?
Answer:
h=2 m=27
